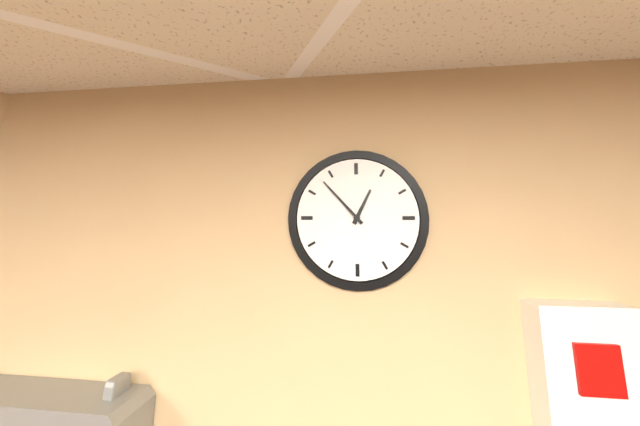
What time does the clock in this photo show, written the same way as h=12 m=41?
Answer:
h=12 m=53
